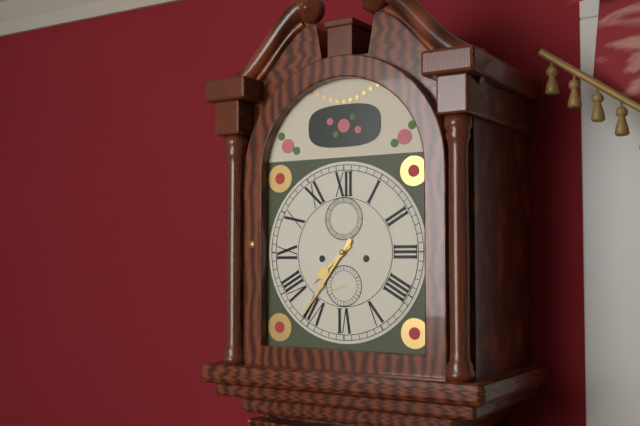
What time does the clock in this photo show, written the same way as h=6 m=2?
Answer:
h=7 m=36
